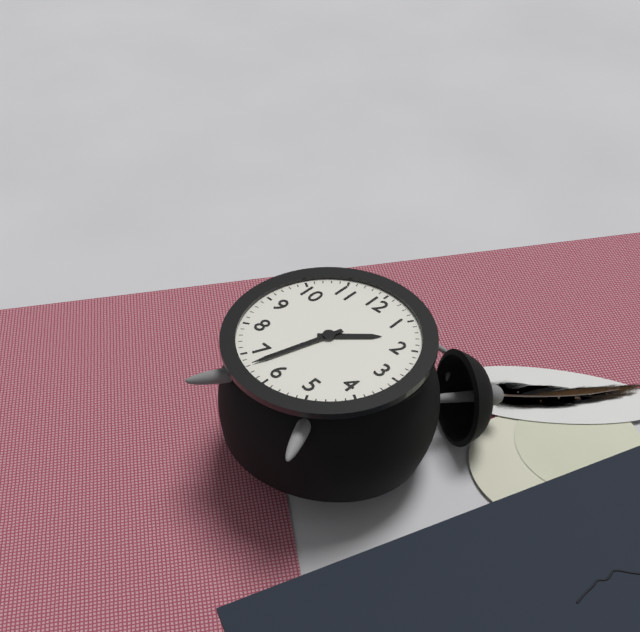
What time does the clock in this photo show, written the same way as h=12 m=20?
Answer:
h=1 m=33
